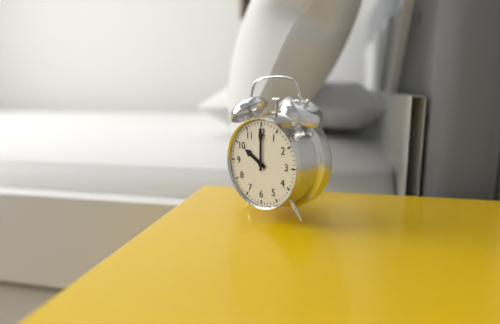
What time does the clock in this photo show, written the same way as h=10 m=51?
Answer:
h=10 m=0
